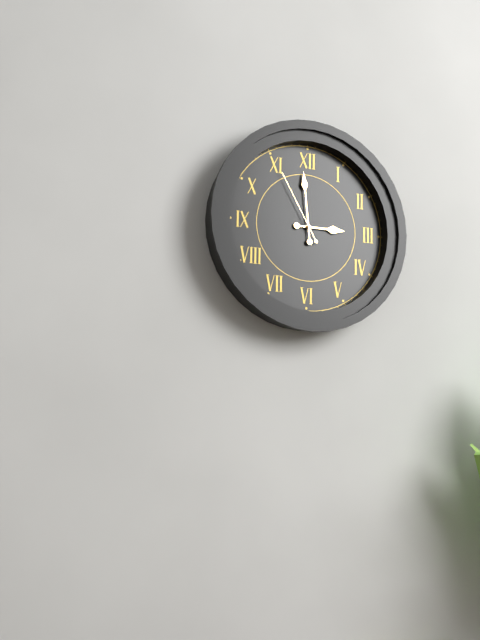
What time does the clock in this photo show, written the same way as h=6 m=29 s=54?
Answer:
h=2 m=59 s=55
